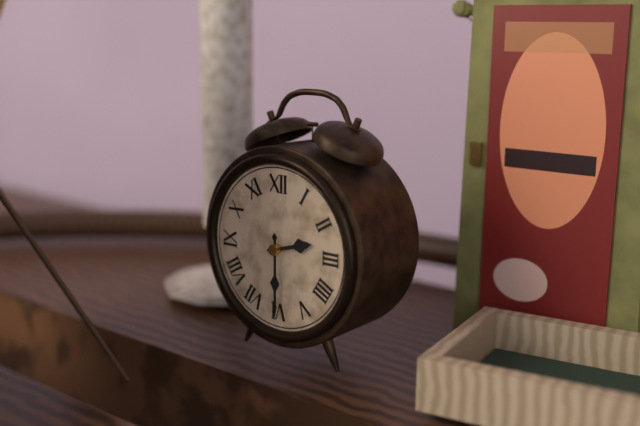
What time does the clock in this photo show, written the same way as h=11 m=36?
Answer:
h=2 m=30
